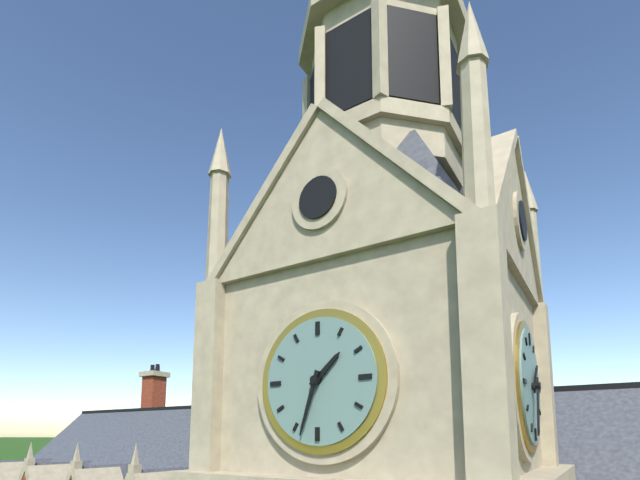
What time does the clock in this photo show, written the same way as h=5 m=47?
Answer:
h=1 m=33
